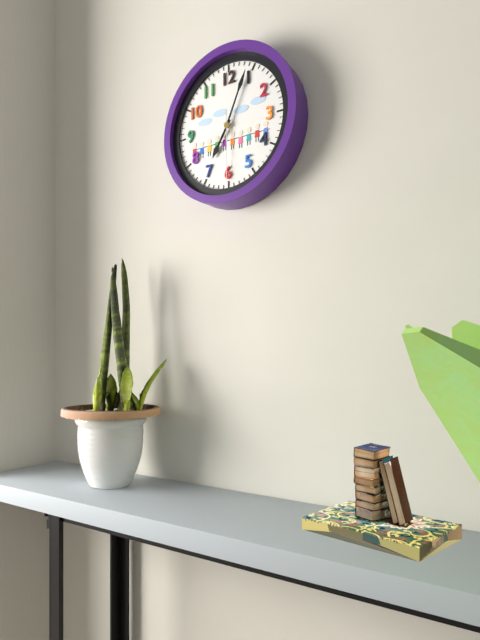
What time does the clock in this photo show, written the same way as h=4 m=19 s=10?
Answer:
h=7 m=4 s=30
